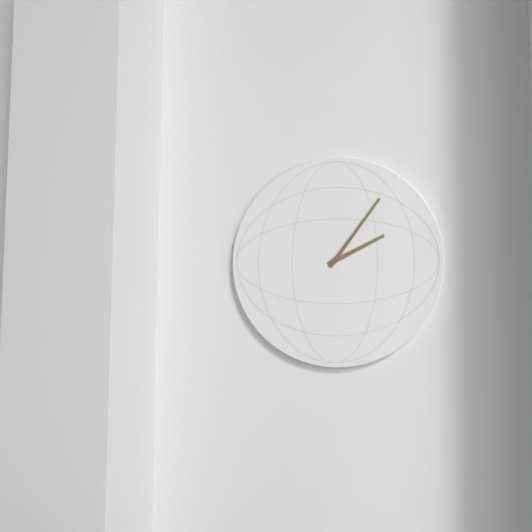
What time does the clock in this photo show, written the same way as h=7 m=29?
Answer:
h=2 m=6
